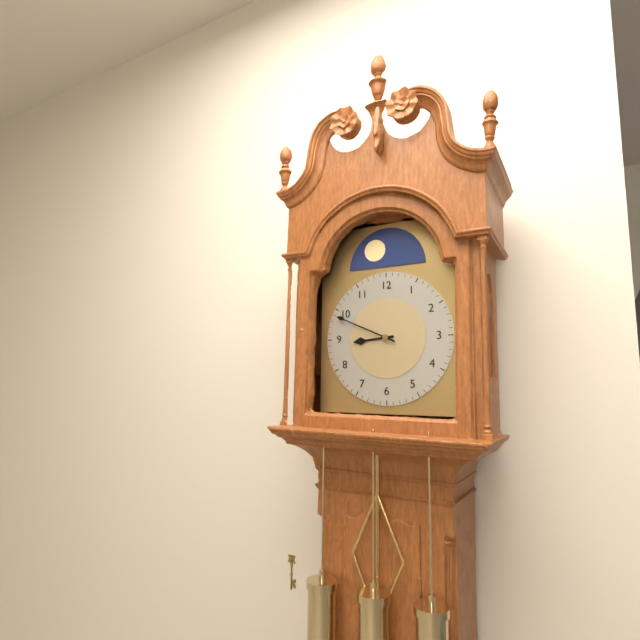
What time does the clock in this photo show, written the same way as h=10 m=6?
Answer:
h=8 m=49
